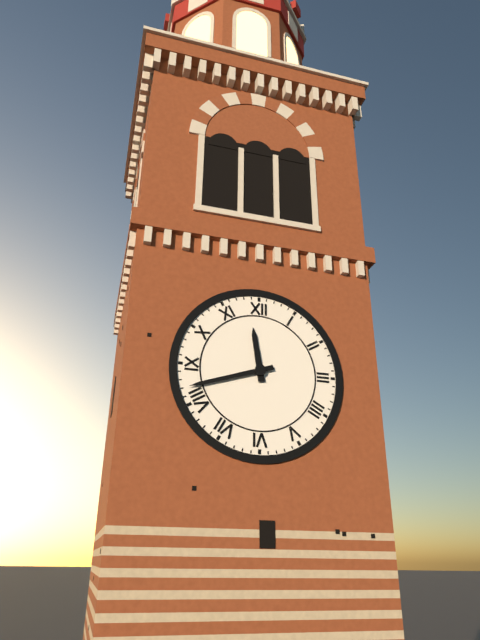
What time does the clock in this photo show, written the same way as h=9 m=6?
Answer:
h=11 m=42
